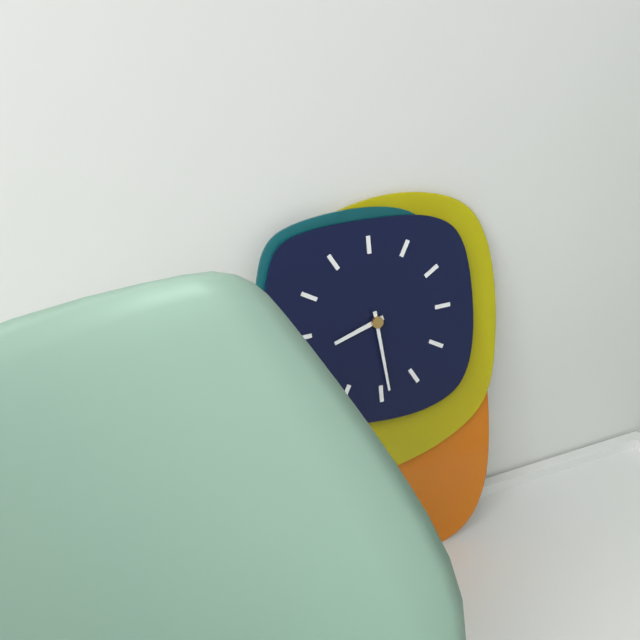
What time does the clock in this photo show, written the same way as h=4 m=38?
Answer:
h=8 m=29
